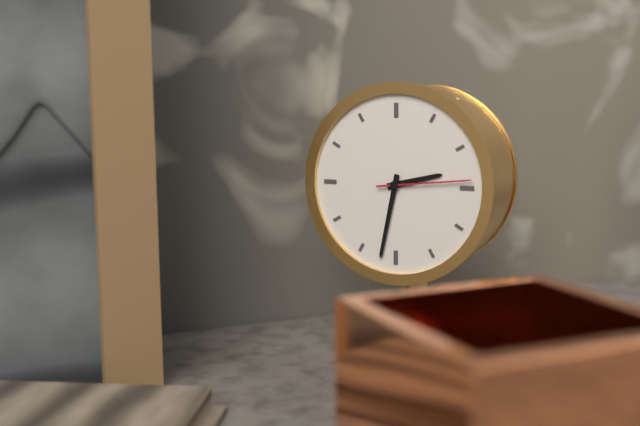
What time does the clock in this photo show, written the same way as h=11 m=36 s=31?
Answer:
h=2 m=32 s=14
